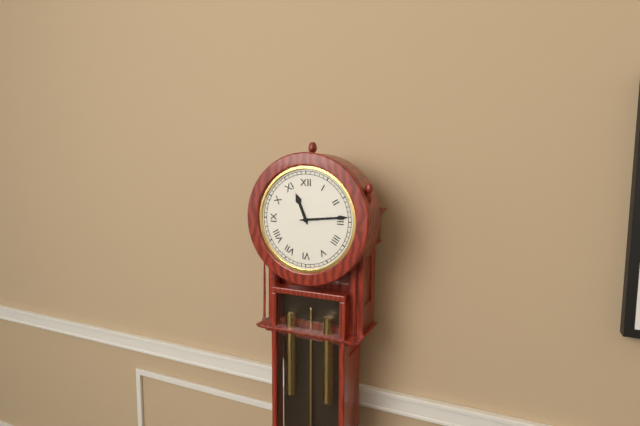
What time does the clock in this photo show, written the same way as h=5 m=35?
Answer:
h=11 m=14
